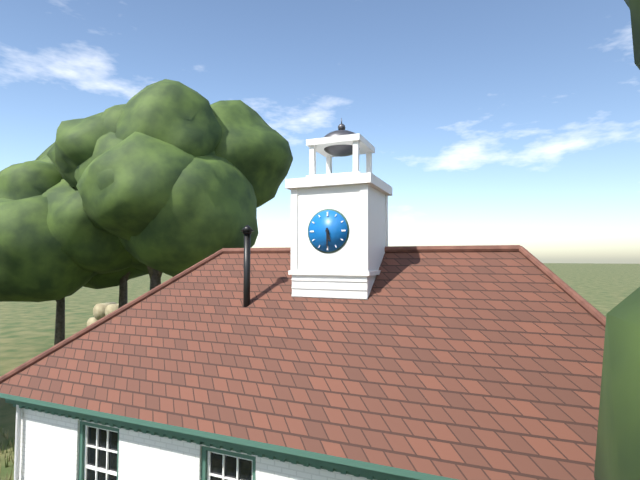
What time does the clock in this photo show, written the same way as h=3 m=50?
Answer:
h=5 m=30
